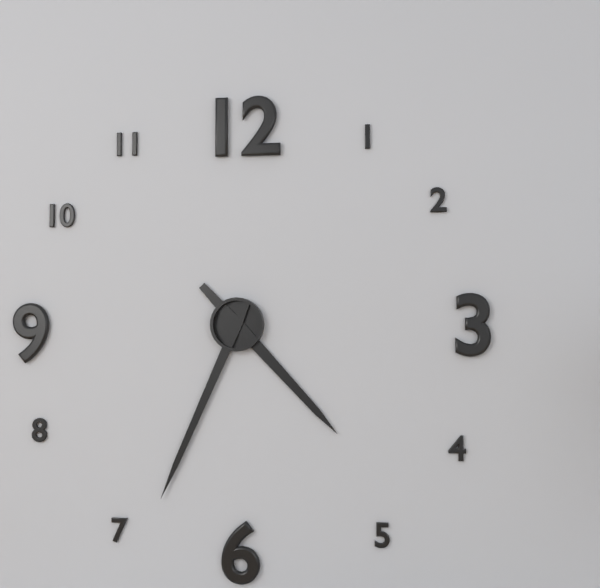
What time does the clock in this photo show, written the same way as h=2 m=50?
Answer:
h=4 m=34
